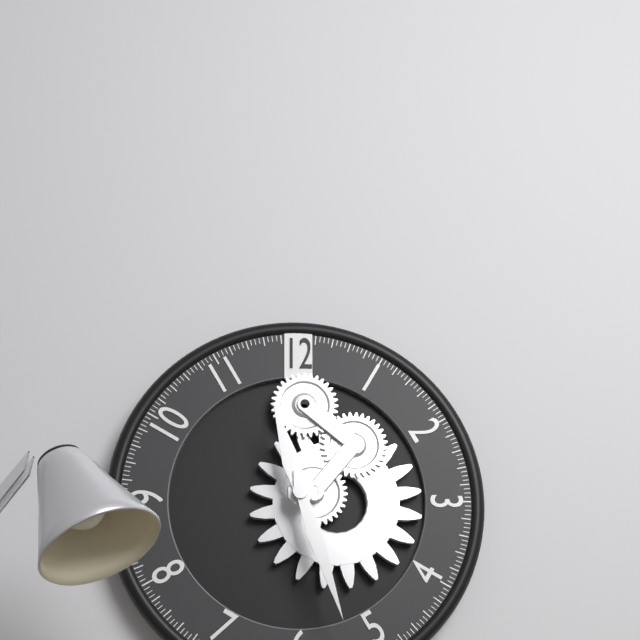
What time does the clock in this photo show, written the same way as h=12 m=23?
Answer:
h=11 m=27
